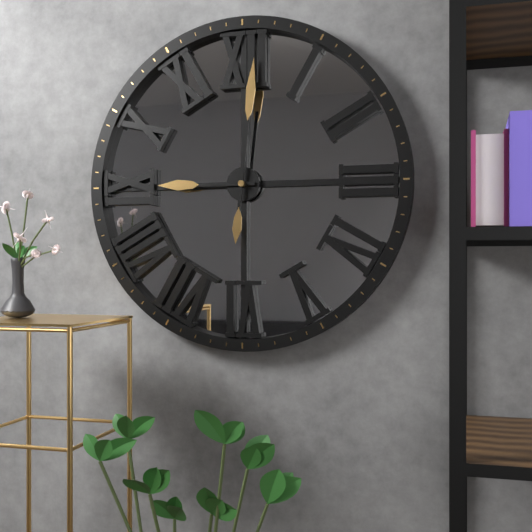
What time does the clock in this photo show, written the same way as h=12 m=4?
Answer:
h=9 m=1
